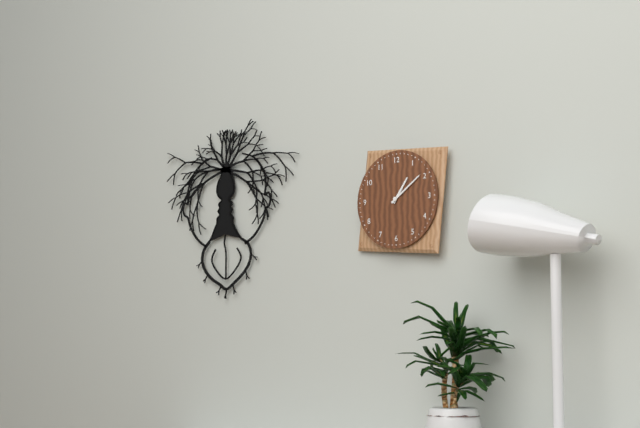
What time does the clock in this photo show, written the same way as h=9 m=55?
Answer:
h=1 m=9
